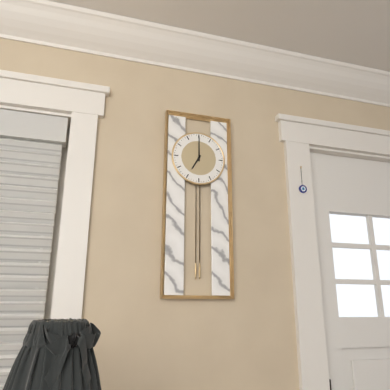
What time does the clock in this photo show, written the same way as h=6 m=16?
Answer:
h=7 m=0
